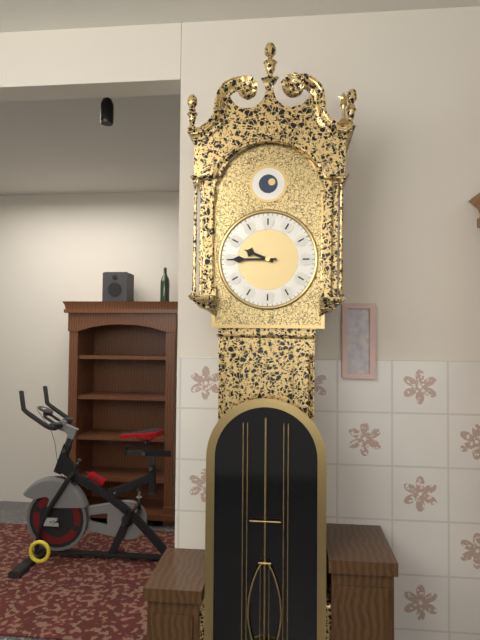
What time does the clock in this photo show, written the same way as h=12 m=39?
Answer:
h=9 m=45
